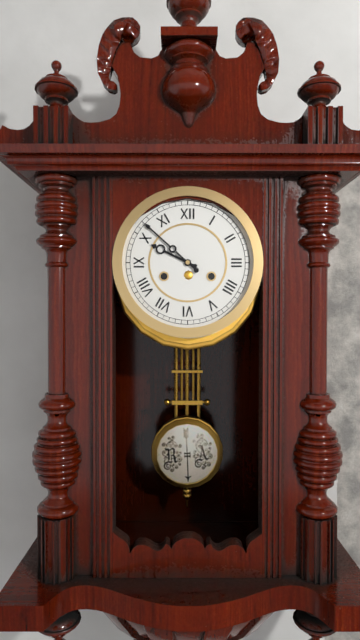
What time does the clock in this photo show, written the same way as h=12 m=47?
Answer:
h=9 m=52
